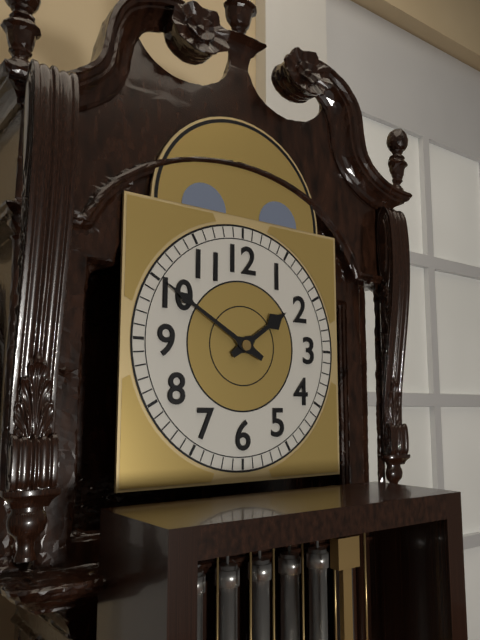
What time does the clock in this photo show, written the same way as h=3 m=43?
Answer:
h=1 m=50
